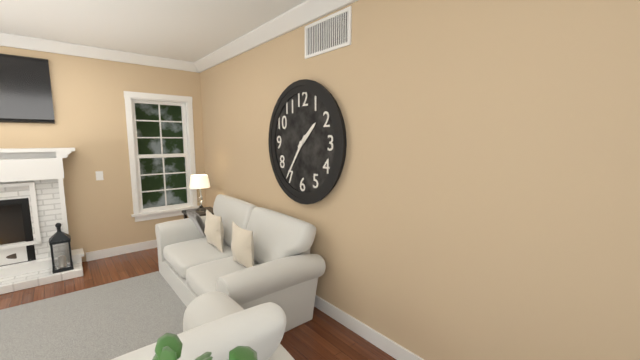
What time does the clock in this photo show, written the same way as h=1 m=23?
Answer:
h=1 m=36
